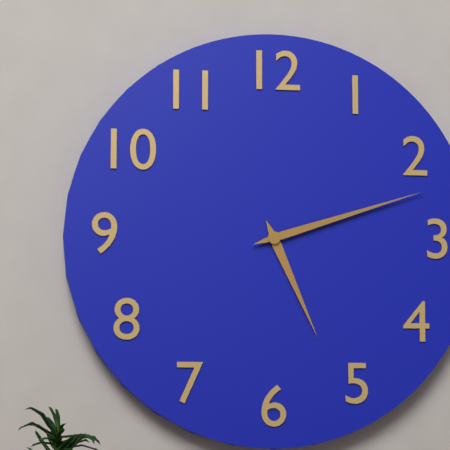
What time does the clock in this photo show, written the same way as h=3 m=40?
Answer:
h=5 m=12
